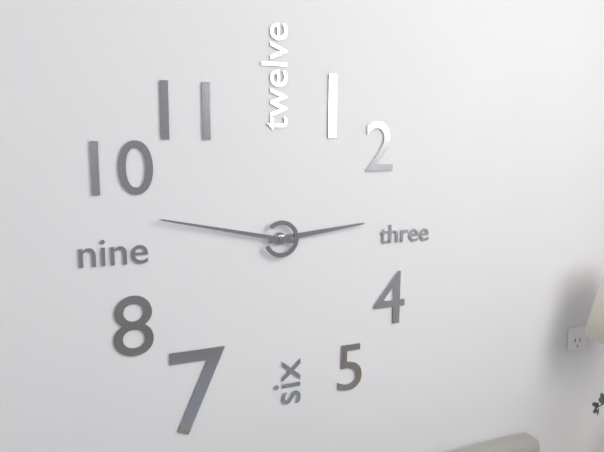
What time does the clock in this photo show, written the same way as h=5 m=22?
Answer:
h=2 m=47
